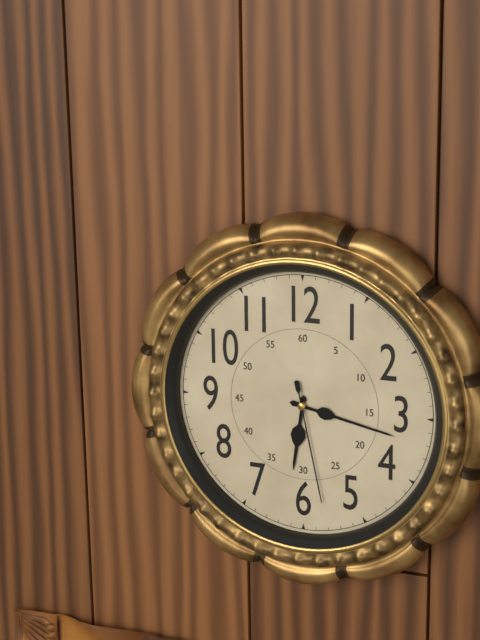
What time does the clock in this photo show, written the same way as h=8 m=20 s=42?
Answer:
h=6 m=17 s=28
